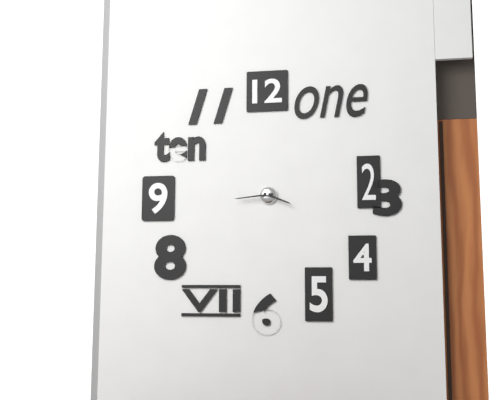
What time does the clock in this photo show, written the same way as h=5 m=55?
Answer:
h=3 m=44
